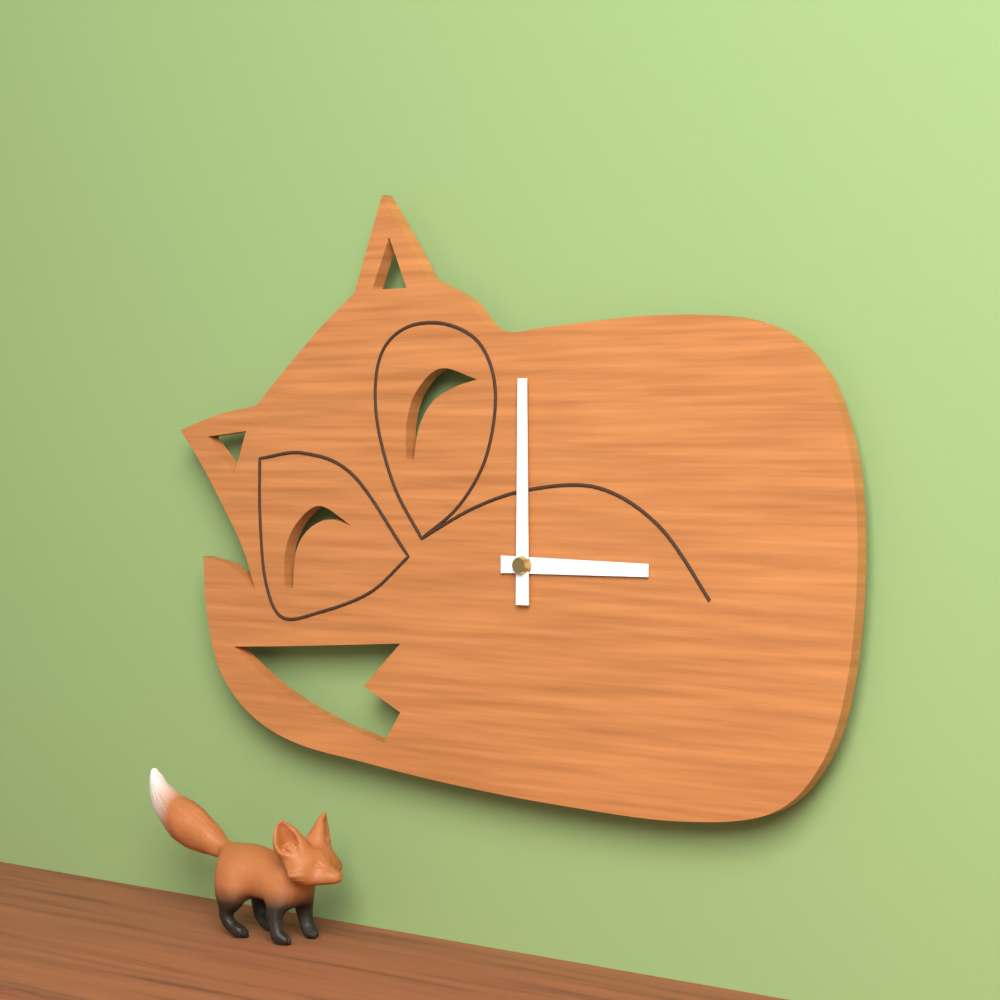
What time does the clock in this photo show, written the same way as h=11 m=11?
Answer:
h=3 m=0
